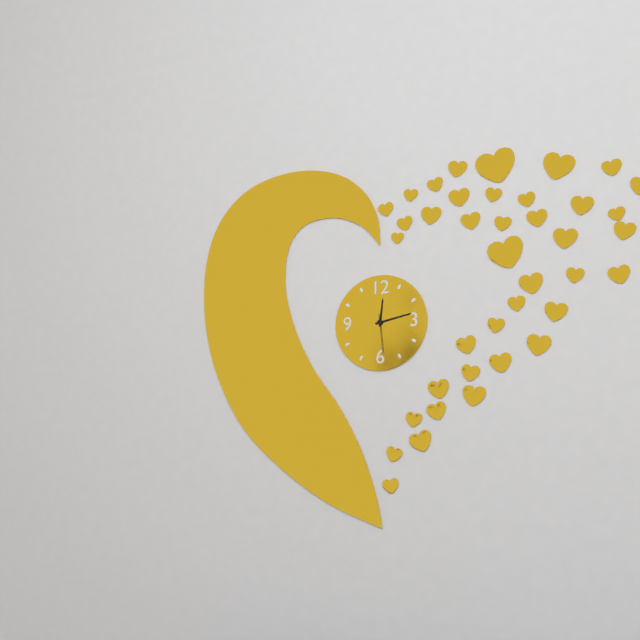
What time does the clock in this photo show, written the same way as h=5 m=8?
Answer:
h=12 m=13
